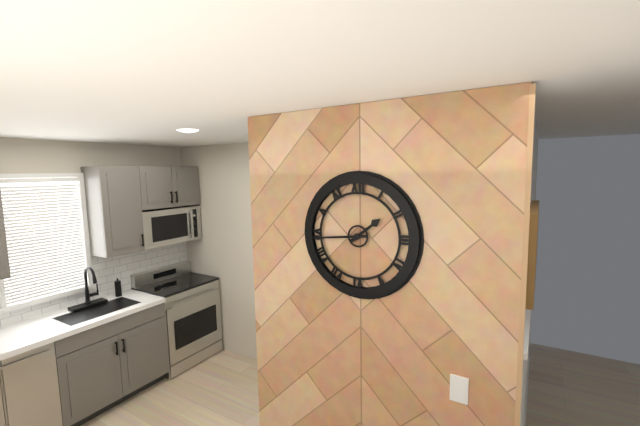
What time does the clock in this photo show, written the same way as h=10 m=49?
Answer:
h=1 m=44
